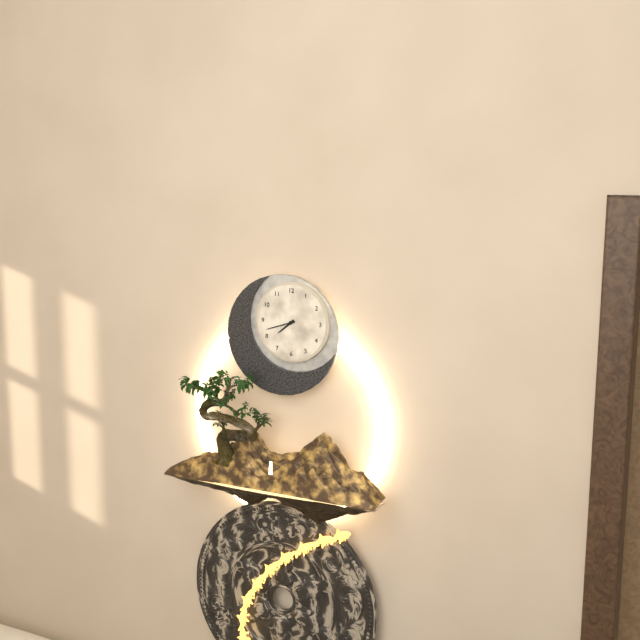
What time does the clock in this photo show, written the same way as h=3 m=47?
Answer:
h=7 m=42
